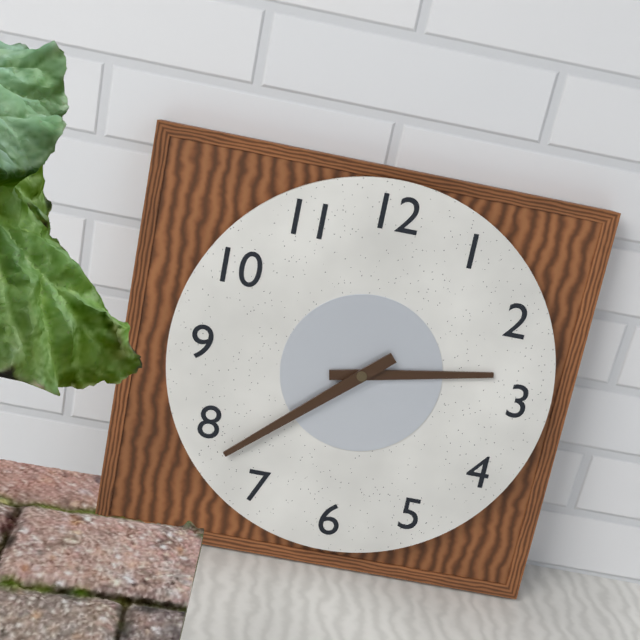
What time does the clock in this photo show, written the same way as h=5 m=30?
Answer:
h=2 m=38
